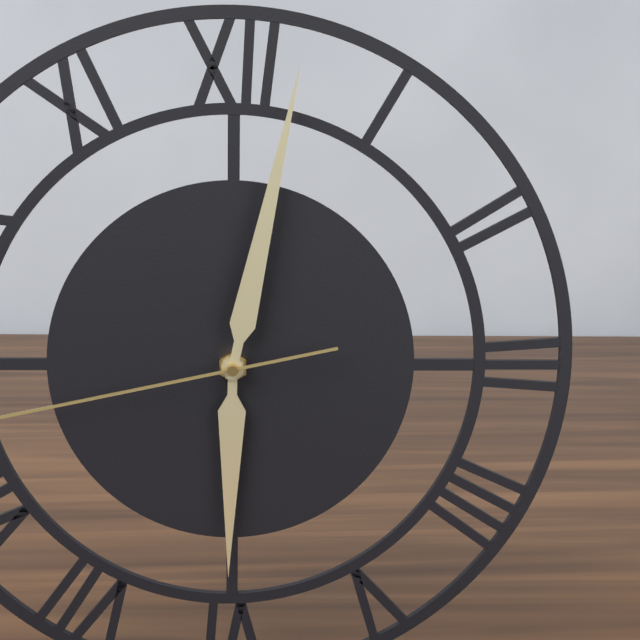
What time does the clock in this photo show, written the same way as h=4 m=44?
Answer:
h=6 m=2
